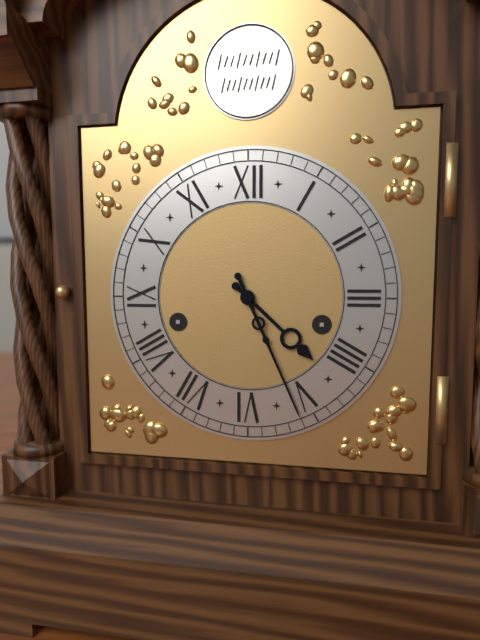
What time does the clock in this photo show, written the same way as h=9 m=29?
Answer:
h=4 m=26
